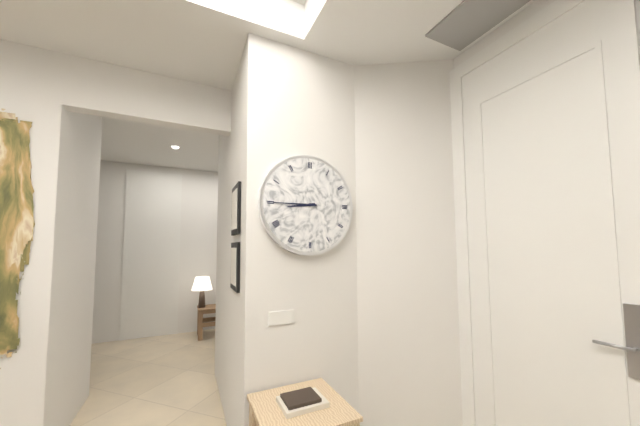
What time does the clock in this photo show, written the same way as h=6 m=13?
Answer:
h=8 m=45
